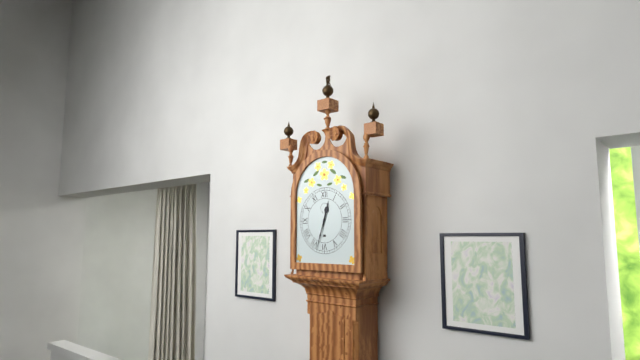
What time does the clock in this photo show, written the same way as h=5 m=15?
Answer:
h=12 m=33
